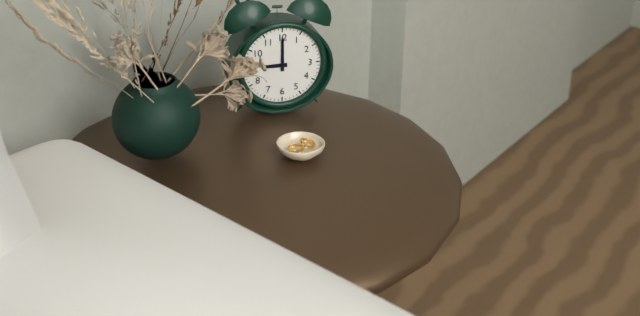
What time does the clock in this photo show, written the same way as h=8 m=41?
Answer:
h=9 m=0
